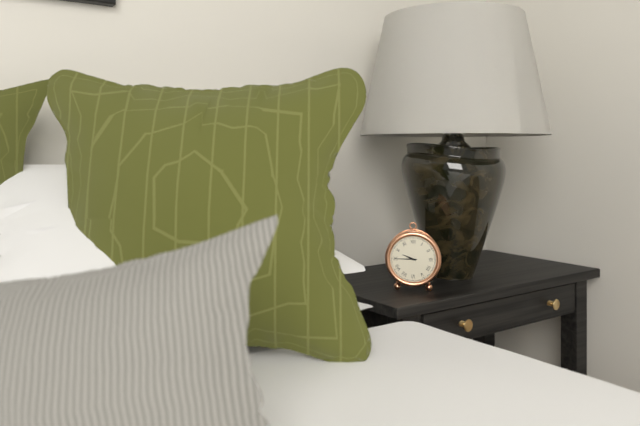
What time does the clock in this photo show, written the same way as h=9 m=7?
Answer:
h=9 m=45
